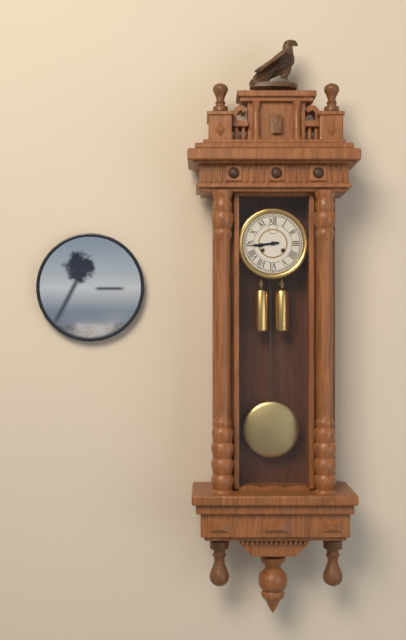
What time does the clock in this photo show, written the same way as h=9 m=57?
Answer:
h=8 m=44
